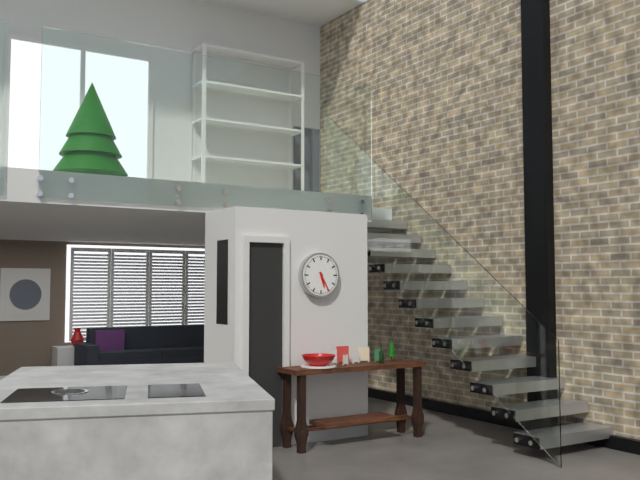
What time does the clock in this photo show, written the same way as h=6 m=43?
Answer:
h=5 m=25
